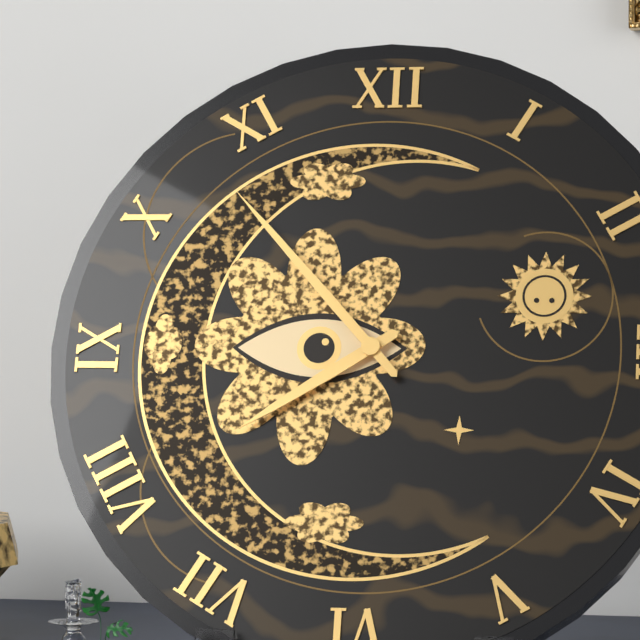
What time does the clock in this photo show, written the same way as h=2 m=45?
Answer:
h=7 m=53
